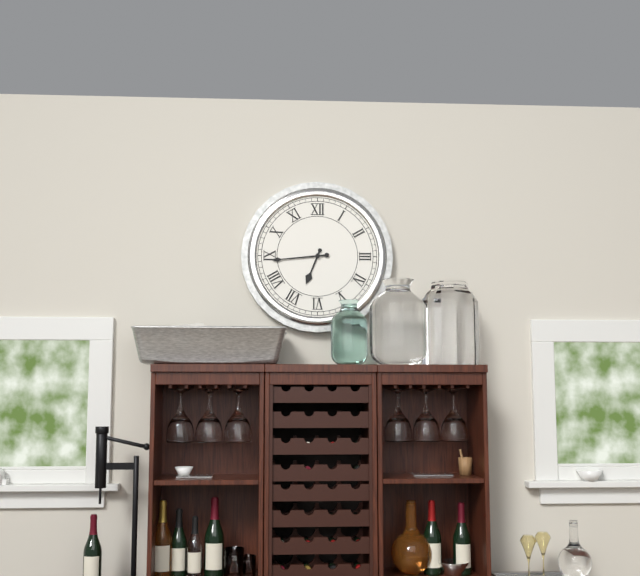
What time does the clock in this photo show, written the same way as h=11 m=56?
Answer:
h=6 m=44
